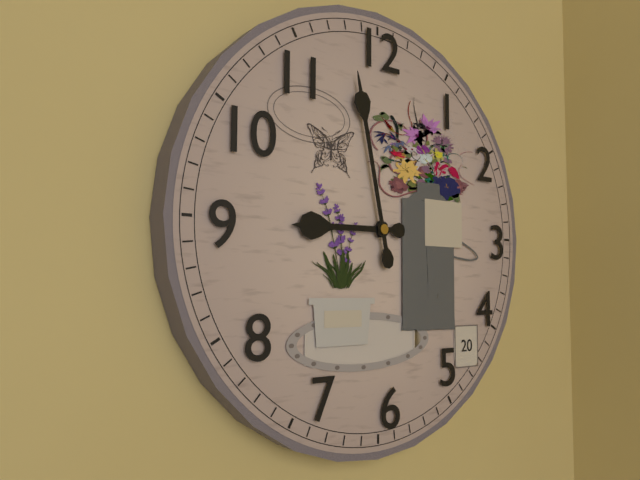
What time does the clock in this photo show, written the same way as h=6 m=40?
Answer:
h=8 m=58
